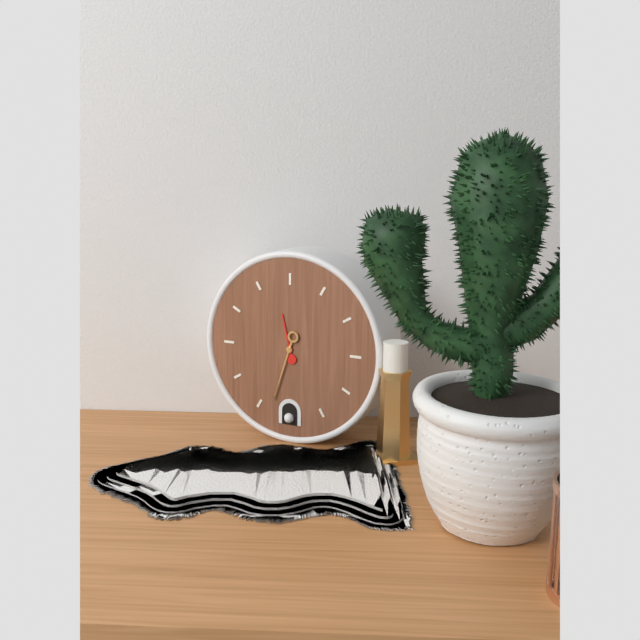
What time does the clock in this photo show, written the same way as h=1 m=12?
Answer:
h=11 m=33
